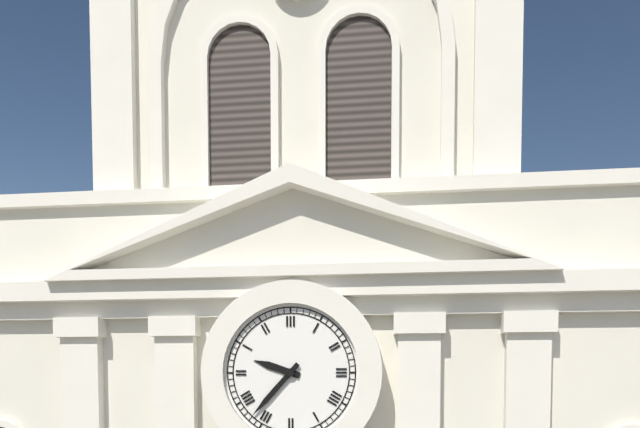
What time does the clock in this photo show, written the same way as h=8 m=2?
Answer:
h=9 m=37
